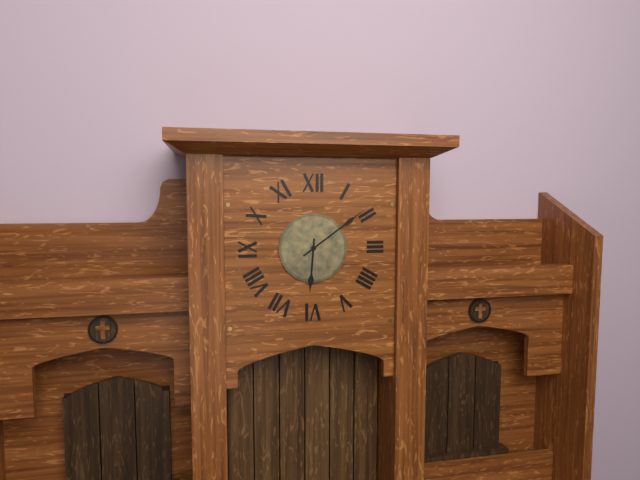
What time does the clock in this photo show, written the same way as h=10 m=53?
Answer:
h=6 m=9
